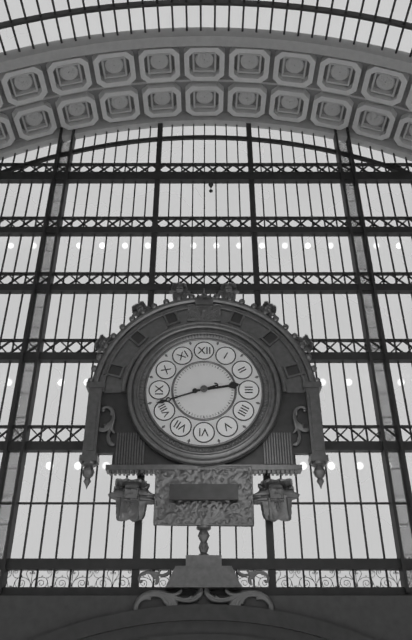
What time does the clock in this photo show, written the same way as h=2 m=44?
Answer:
h=2 m=42
